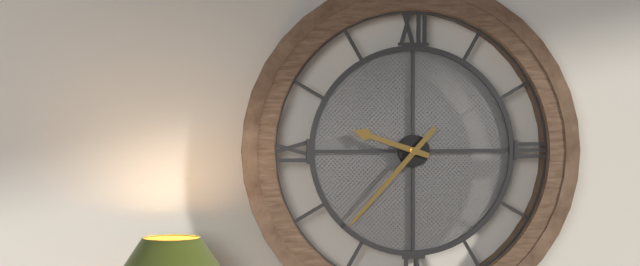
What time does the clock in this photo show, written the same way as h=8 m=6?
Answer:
h=9 m=37
